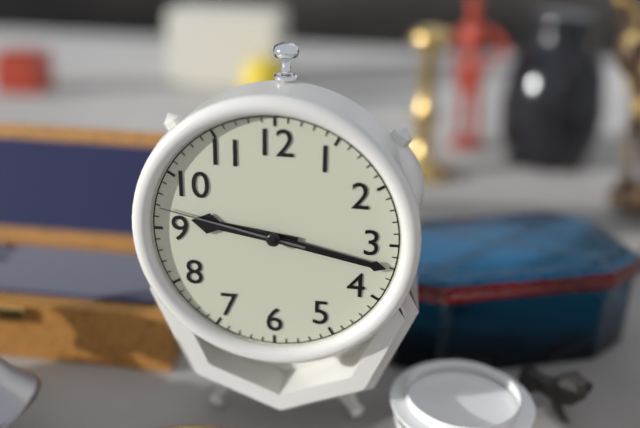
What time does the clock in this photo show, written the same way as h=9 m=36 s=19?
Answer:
h=9 m=17 s=47
